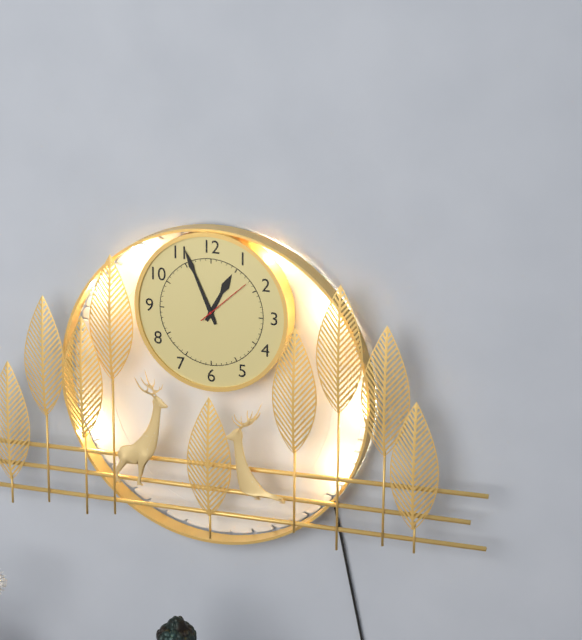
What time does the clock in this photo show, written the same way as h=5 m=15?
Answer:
h=12 m=56
